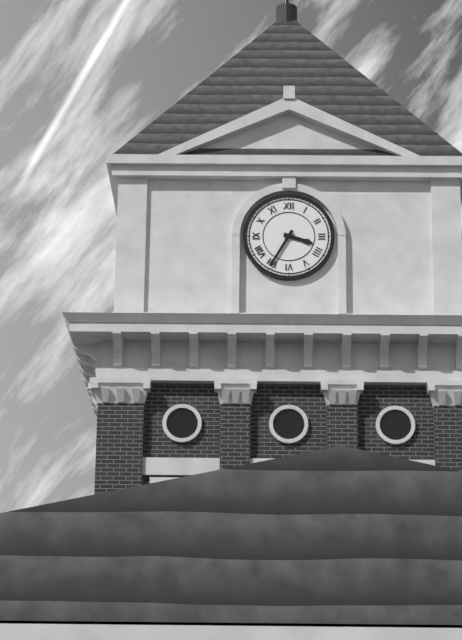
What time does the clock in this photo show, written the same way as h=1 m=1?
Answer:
h=3 m=35
